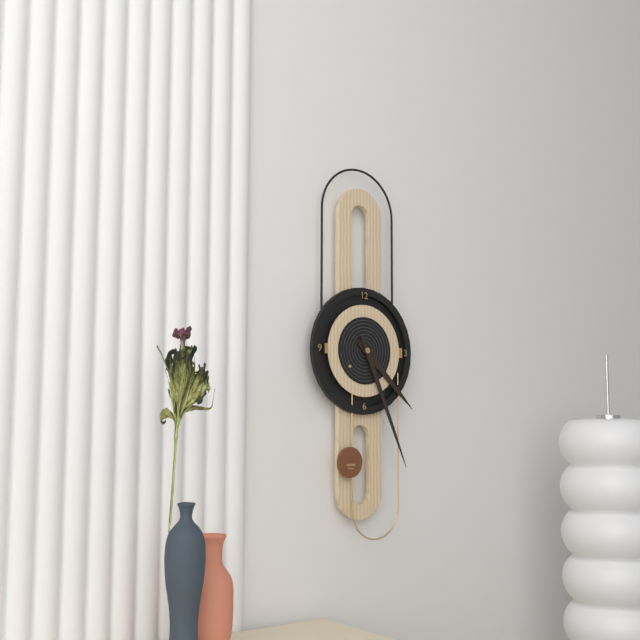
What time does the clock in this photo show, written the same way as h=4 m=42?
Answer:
h=4 m=26
